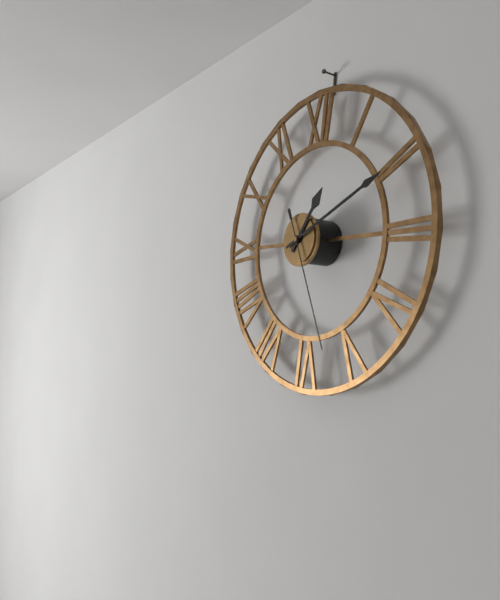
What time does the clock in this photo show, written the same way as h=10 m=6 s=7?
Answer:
h=1 m=11 s=26
